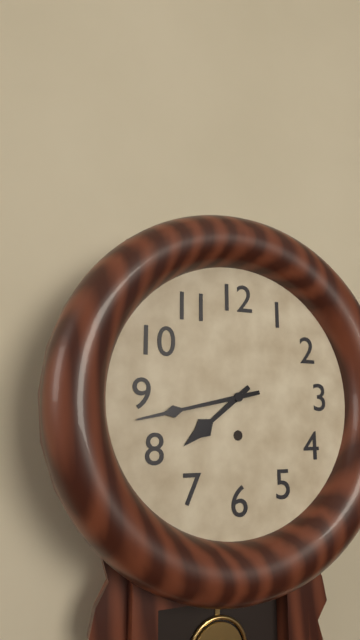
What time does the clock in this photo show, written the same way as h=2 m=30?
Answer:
h=7 m=43
